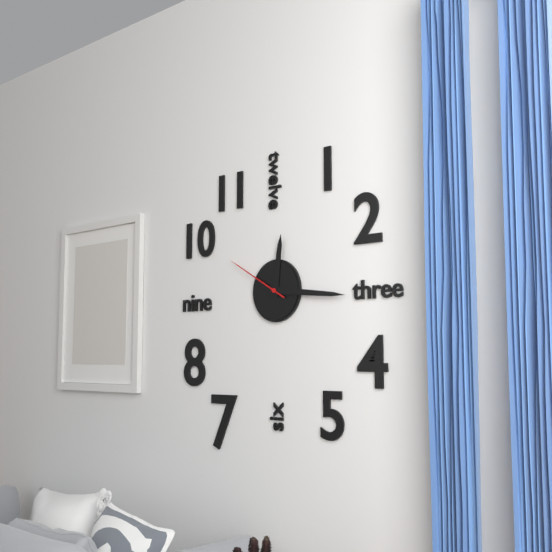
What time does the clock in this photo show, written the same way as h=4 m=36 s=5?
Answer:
h=12 m=16 s=50
